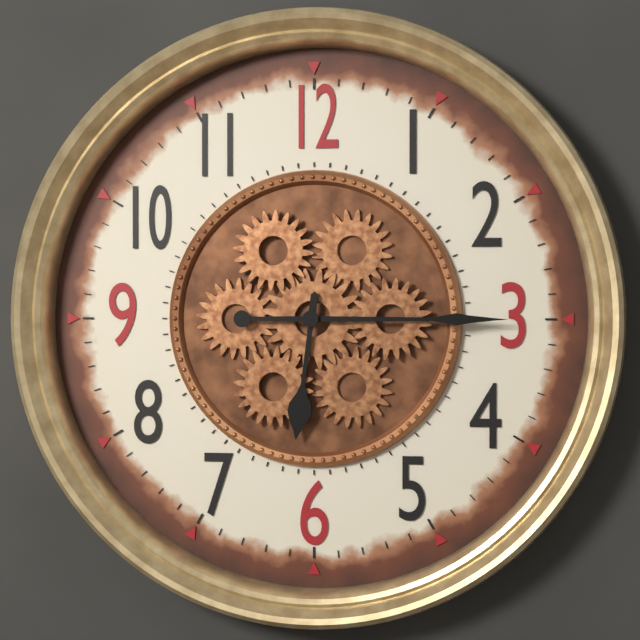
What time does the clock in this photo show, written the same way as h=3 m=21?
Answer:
h=6 m=15
